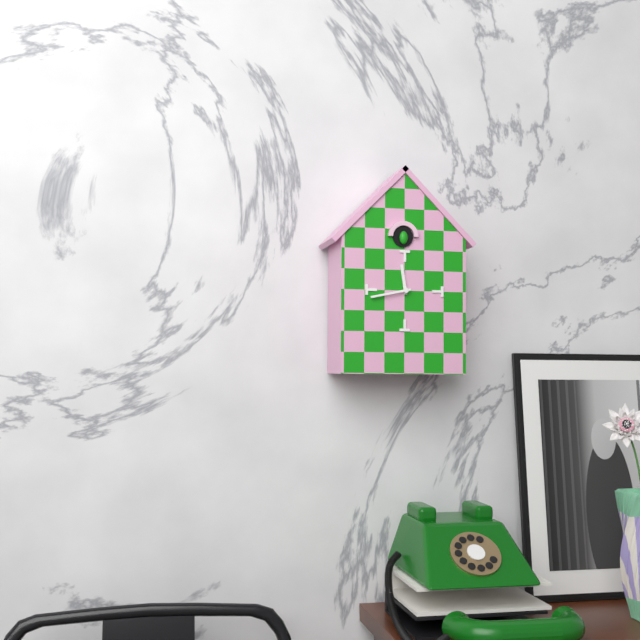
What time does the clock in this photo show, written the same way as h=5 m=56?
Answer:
h=11 m=43
